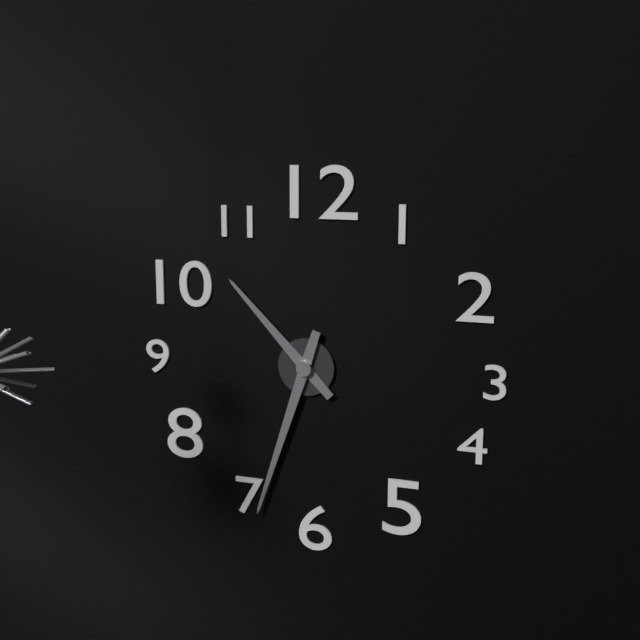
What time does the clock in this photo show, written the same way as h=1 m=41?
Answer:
h=10 m=33
